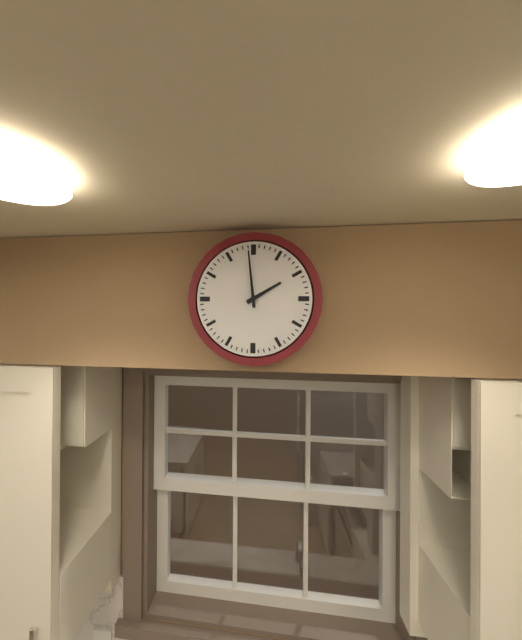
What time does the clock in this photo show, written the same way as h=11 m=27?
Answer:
h=1 m=59
